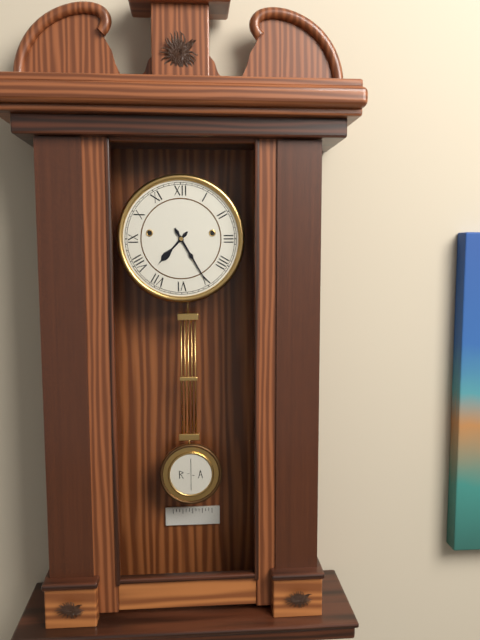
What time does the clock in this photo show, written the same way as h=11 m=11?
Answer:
h=7 m=25
